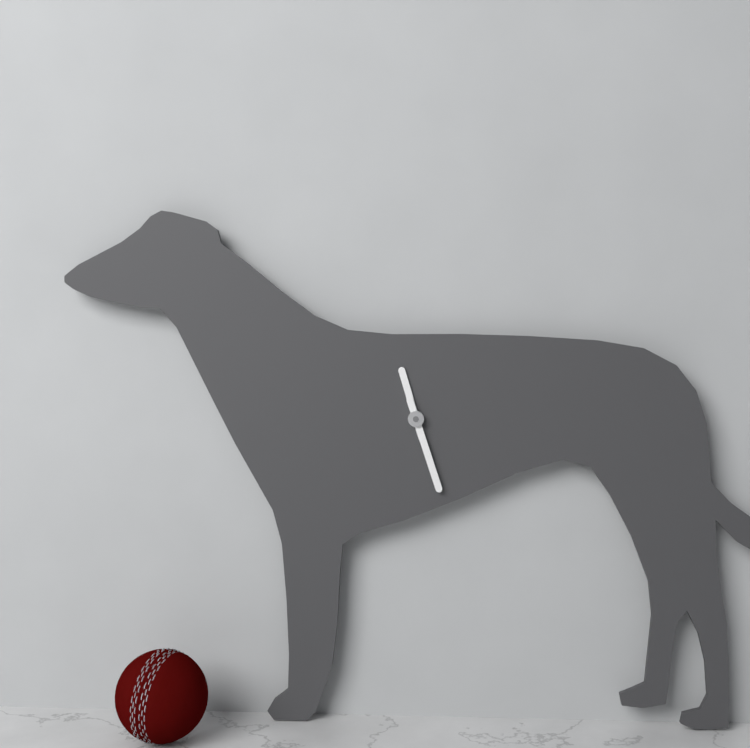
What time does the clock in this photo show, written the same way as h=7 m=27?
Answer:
h=11 m=27
